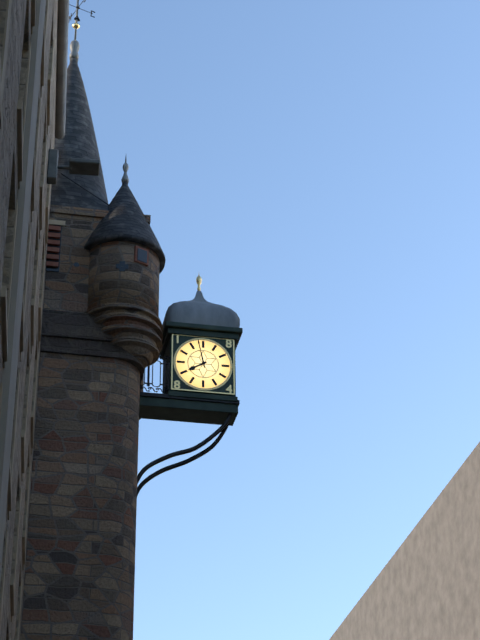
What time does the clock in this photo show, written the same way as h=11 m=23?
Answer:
h=7 m=58
